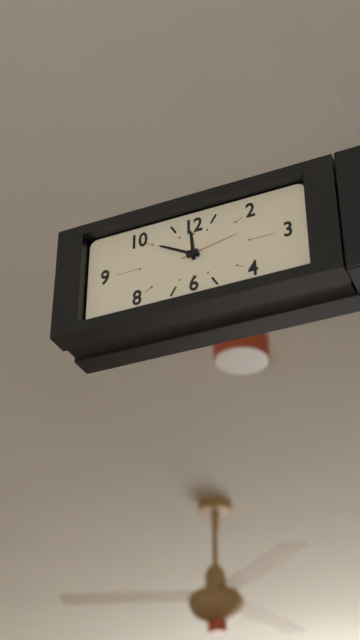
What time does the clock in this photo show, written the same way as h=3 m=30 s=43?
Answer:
h=11 m=50 s=13
